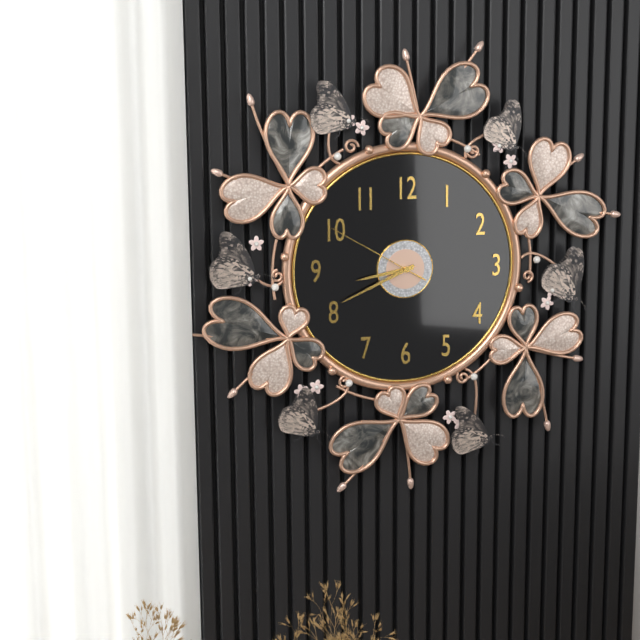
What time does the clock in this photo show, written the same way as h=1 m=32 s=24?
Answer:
h=8 m=41 s=50
